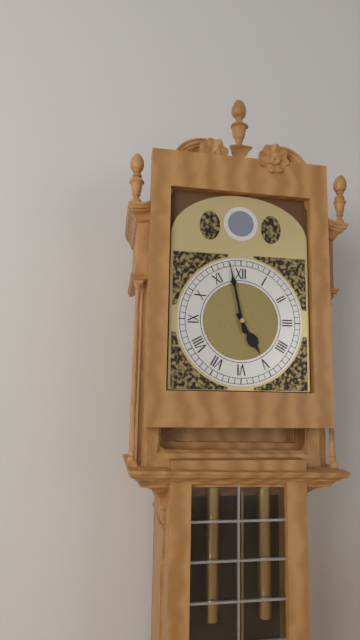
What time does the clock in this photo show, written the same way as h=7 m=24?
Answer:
h=4 m=58
